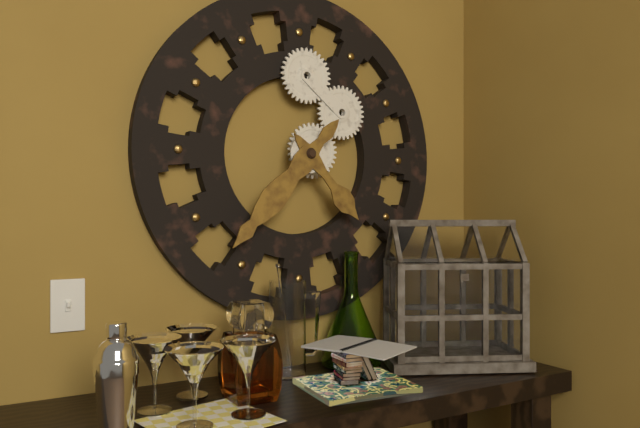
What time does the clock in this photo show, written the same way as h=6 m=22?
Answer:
h=4 m=37
